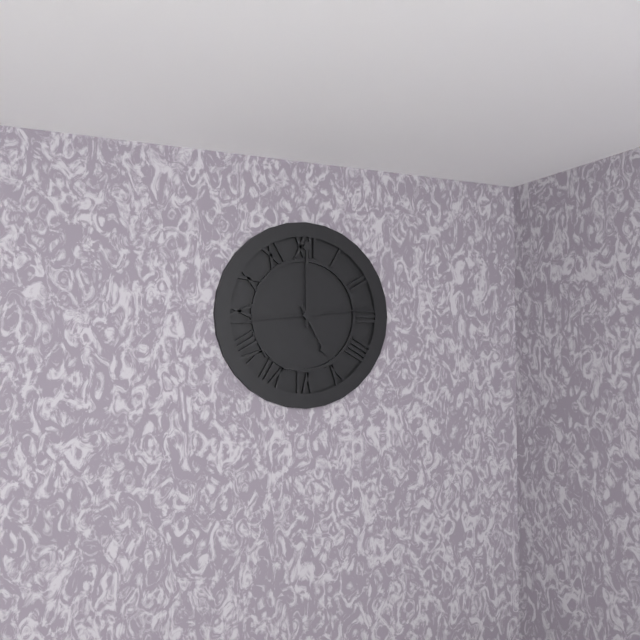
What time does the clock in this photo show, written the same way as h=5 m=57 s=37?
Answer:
h=5 m=0 s=14
